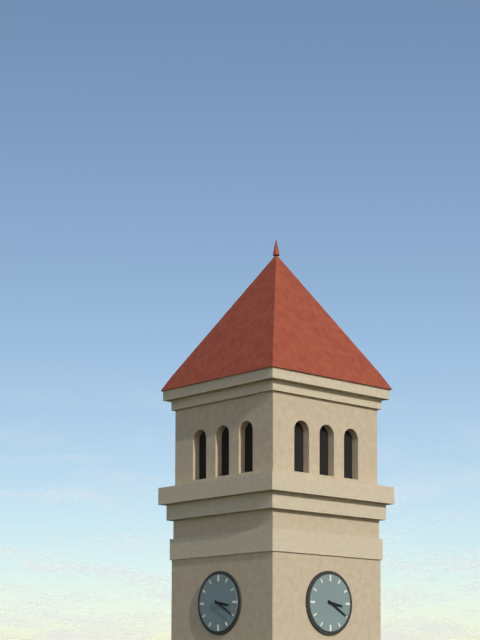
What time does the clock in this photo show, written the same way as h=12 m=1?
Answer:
h=3 m=20
